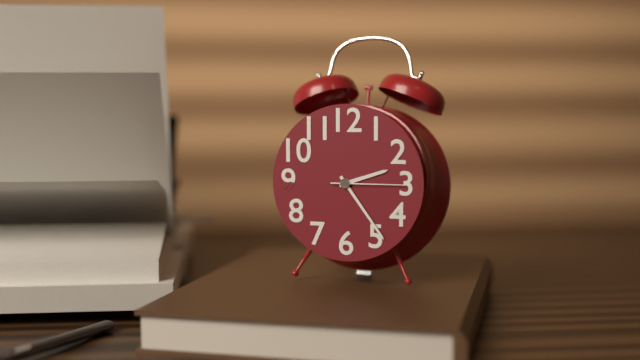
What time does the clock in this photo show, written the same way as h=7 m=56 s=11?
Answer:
h=2 m=24 s=15
